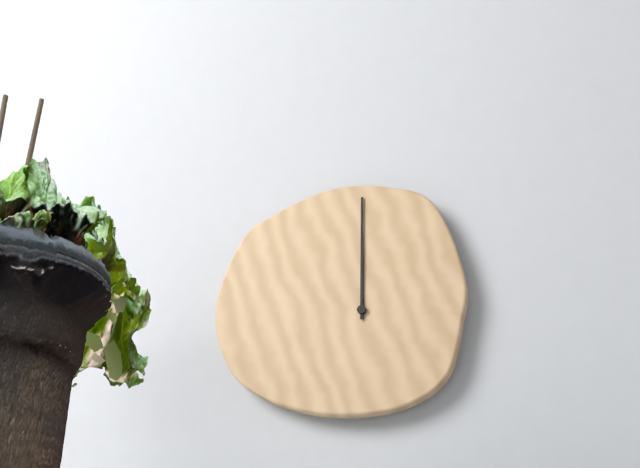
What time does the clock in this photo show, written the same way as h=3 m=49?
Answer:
h=12 m=0
